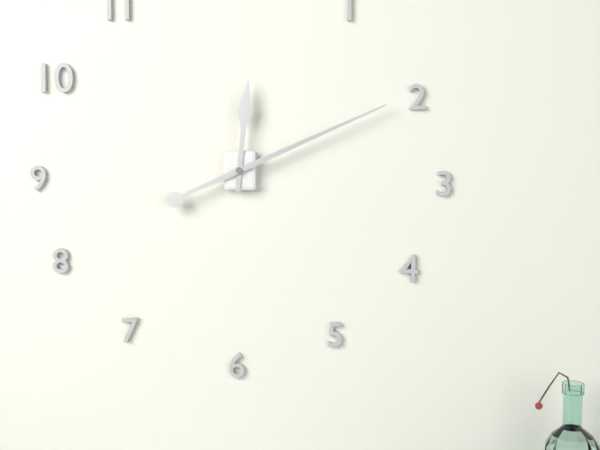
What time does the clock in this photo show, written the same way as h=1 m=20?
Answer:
h=12 m=11
